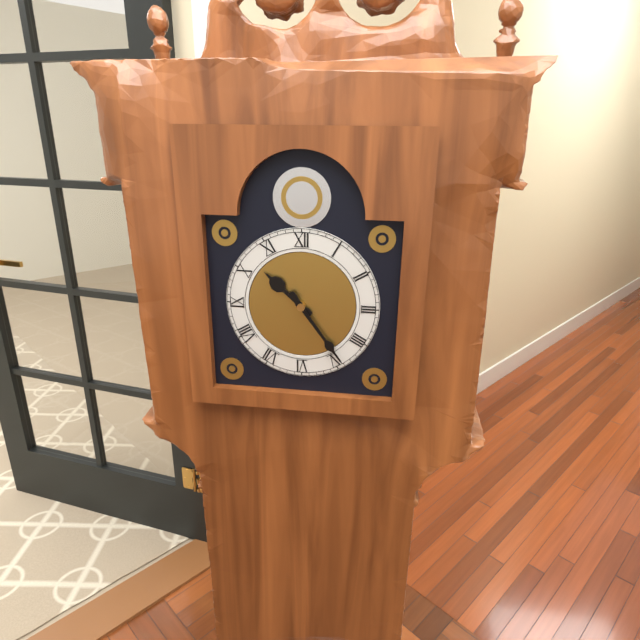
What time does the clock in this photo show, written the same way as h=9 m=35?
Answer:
h=10 m=24
